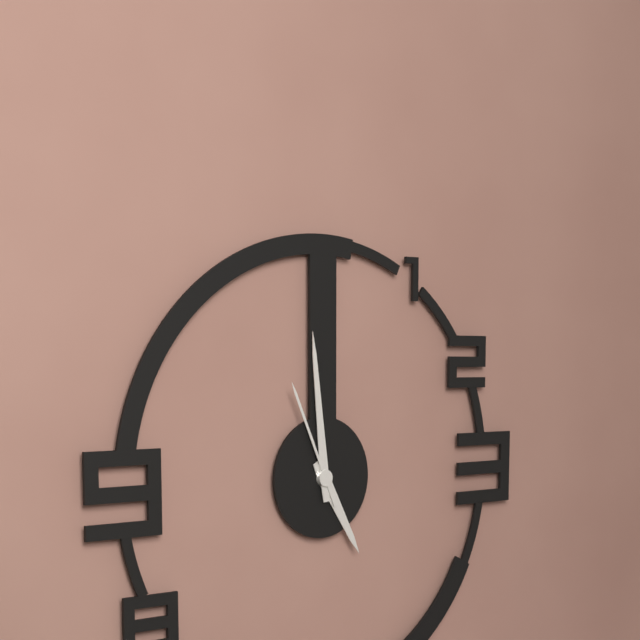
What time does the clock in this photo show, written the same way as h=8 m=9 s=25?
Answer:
h=4 m=59 s=56
